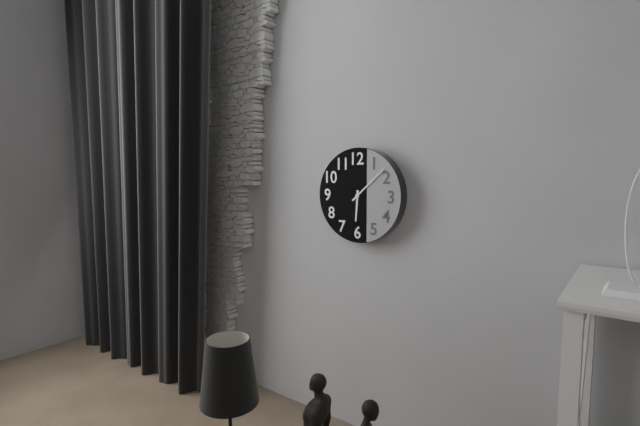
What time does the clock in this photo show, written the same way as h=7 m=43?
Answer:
h=6 m=8
